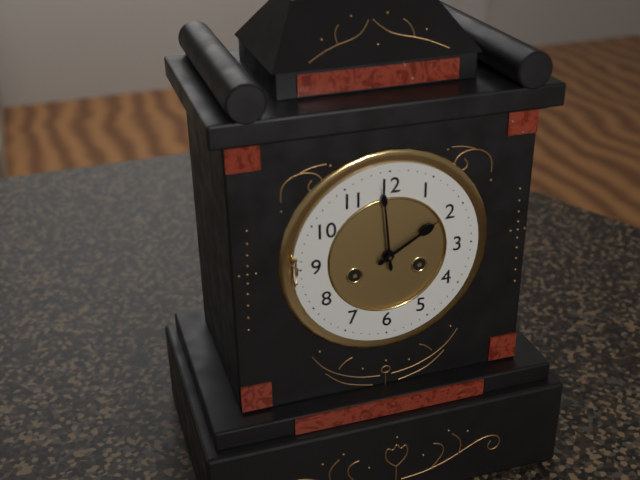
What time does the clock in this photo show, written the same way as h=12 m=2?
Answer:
h=1 m=59
